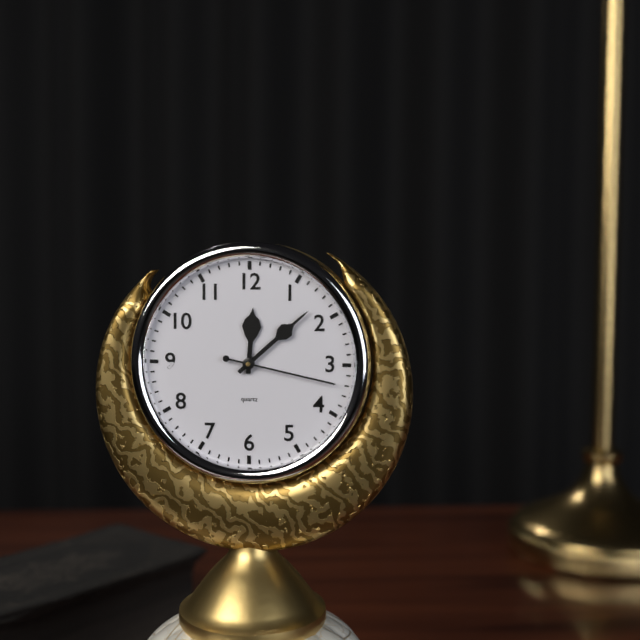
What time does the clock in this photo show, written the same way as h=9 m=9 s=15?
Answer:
h=12 m=8 s=17
